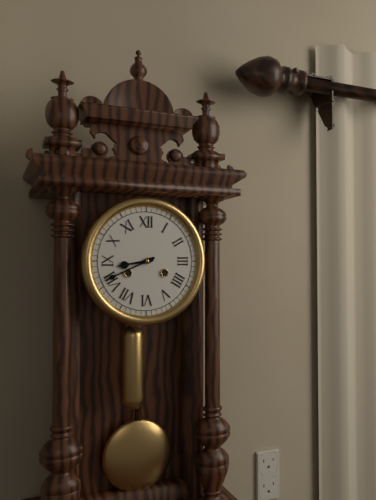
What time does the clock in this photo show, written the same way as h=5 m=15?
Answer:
h=8 m=41
